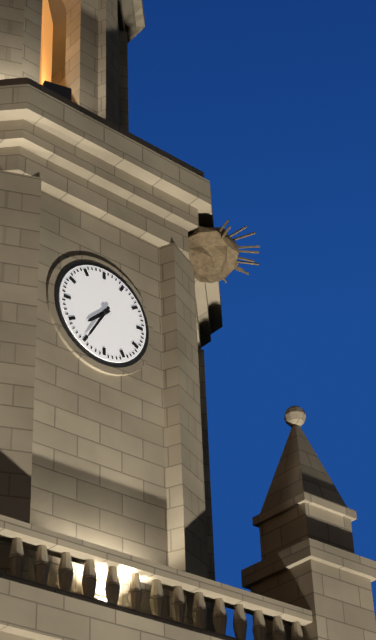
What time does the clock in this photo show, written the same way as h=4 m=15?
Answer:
h=7 m=35
